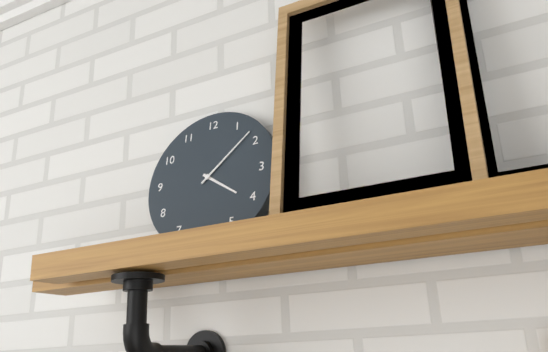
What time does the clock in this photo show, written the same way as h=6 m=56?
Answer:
h=4 m=8
